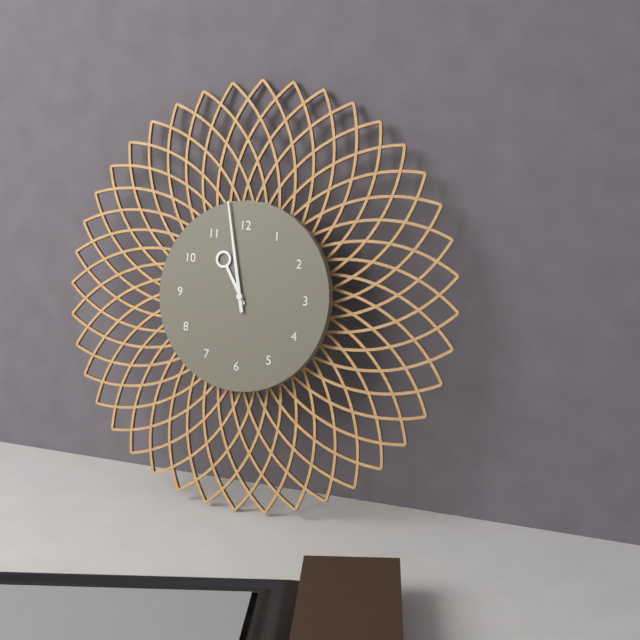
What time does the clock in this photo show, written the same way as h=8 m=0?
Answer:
h=10 m=58
